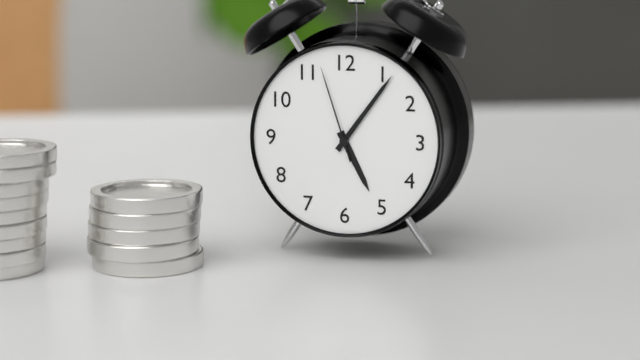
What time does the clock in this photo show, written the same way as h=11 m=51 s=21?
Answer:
h=5 m=6 s=57
